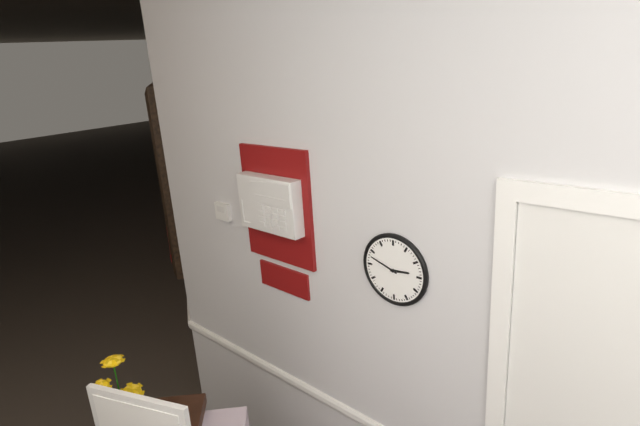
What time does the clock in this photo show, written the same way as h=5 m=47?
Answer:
h=2 m=48
